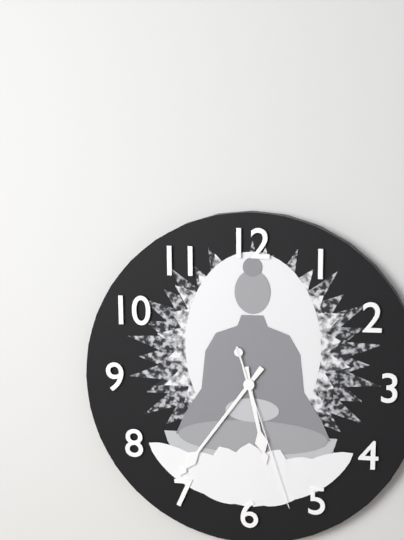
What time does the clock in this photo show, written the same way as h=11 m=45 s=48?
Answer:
h=5 m=36 s=27
